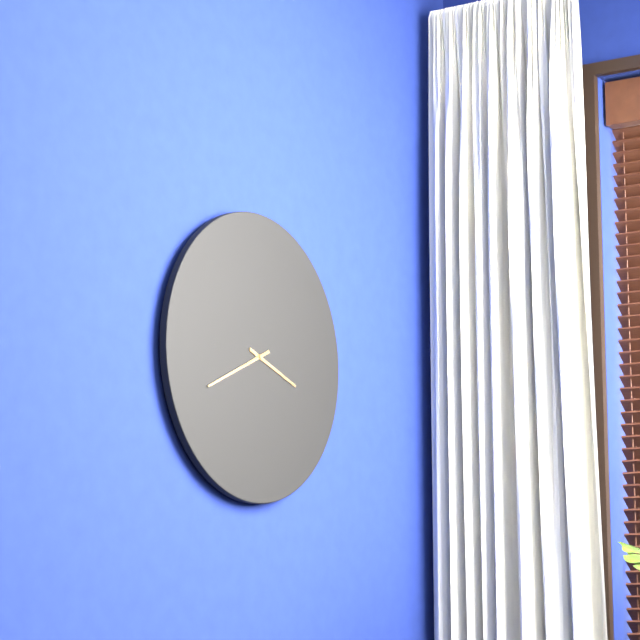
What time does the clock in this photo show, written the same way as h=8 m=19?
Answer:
h=3 m=41
